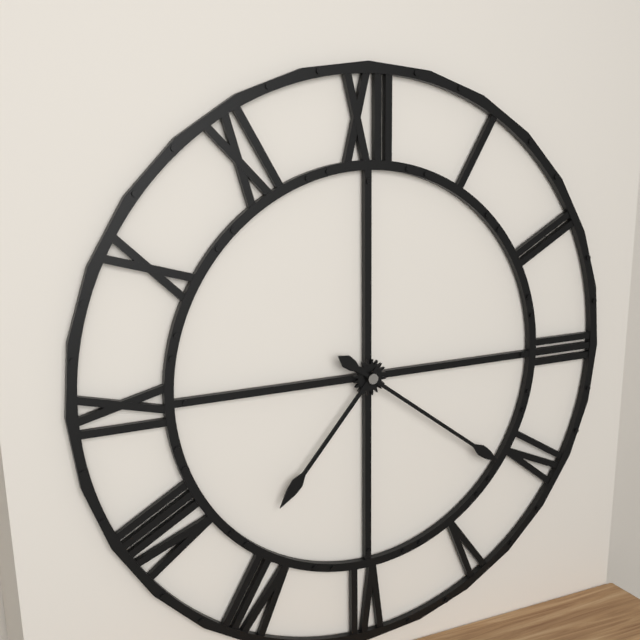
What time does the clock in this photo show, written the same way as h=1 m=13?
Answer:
h=7 m=21
